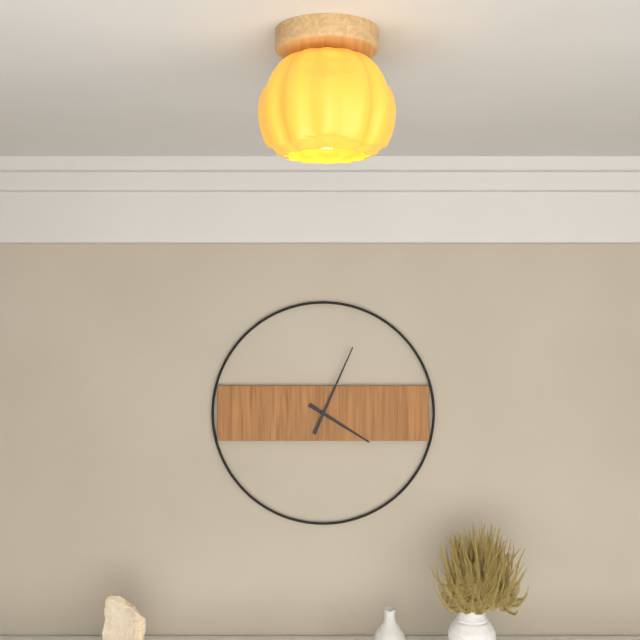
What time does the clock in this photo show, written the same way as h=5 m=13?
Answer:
h=4 m=4
